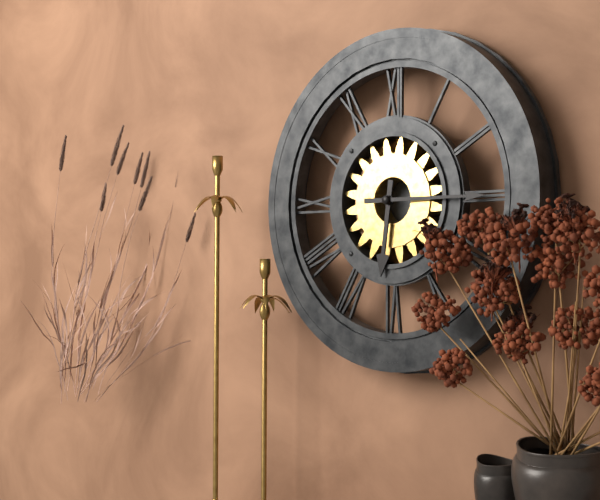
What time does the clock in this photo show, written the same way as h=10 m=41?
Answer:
h=6 m=15
